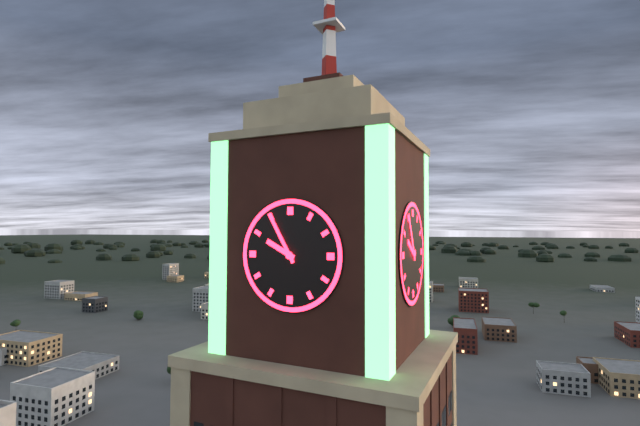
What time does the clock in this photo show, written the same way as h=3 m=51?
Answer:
h=9 m=55
